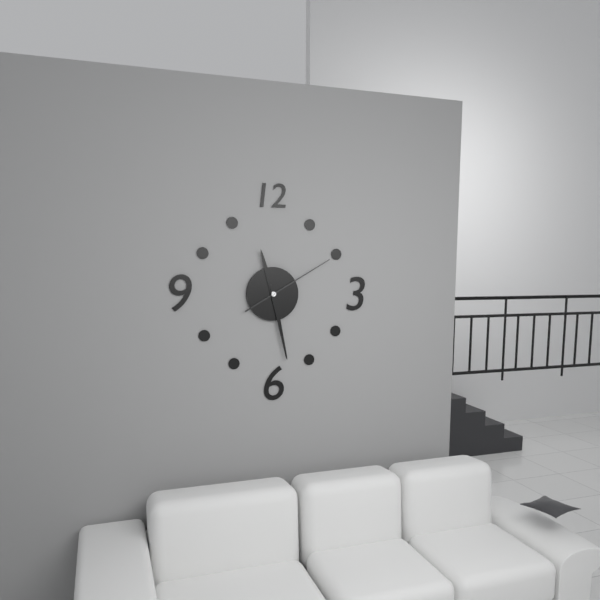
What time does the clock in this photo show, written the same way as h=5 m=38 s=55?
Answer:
h=11 m=28 s=10
